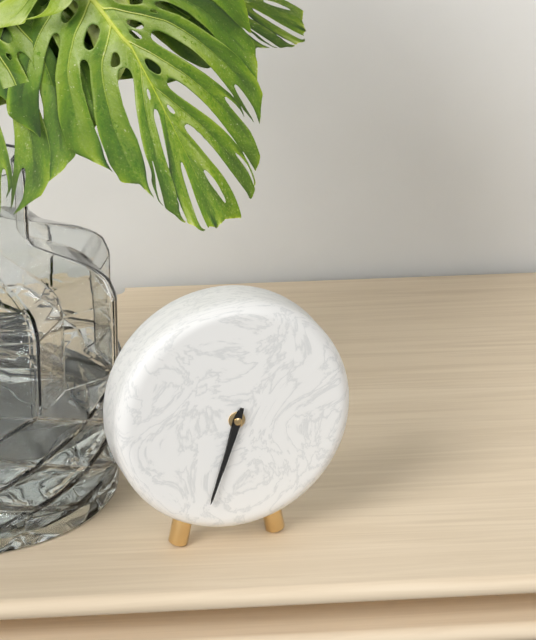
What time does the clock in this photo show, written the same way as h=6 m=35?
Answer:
h=6 m=33
